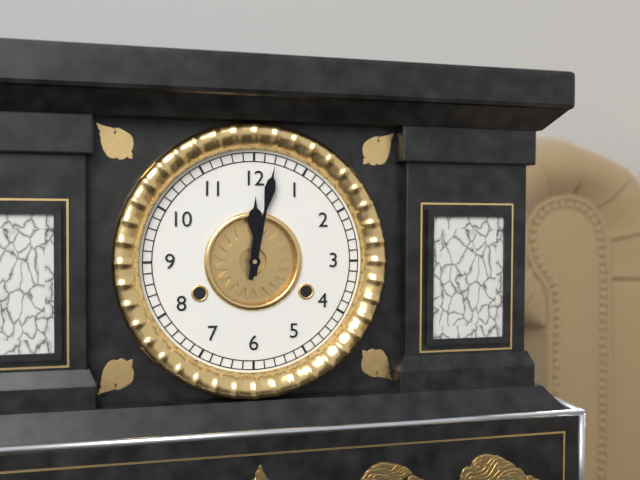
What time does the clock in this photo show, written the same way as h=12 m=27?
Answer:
h=12 m=2
